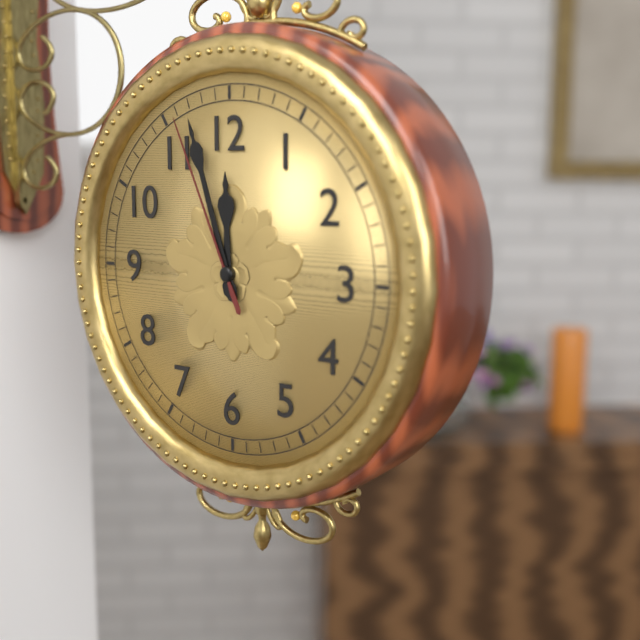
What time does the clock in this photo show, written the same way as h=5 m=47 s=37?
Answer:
h=11 m=57 s=56
